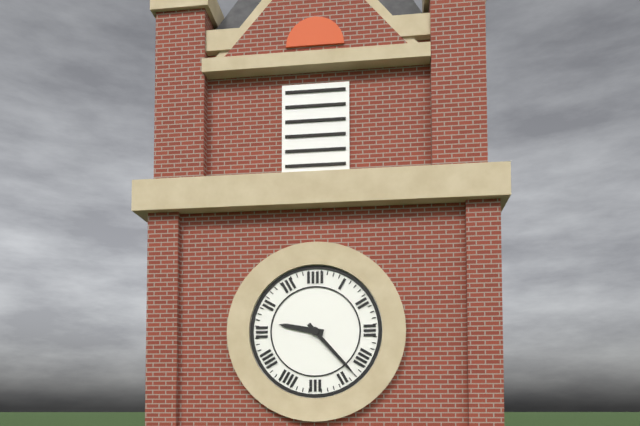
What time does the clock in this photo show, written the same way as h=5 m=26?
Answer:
h=9 m=23
